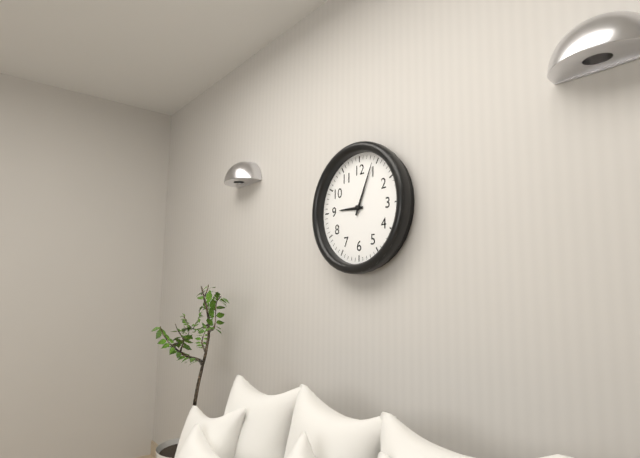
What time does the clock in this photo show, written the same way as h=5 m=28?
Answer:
h=9 m=4
